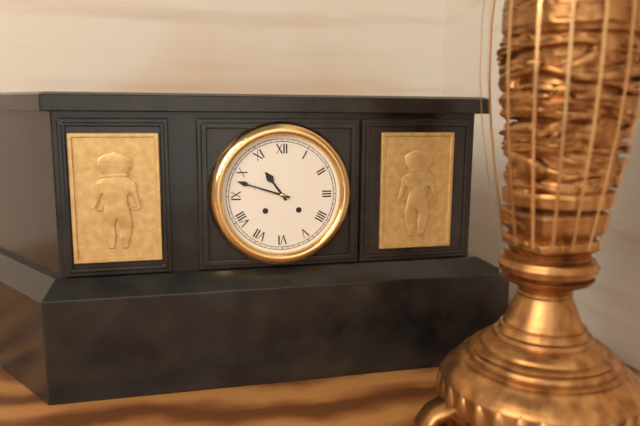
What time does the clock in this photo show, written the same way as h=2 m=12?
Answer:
h=10 m=48
